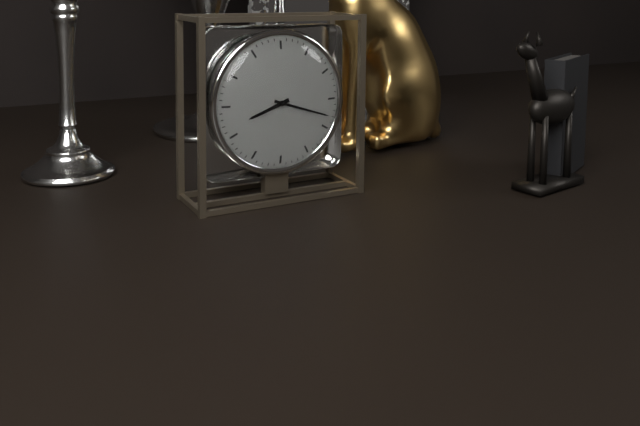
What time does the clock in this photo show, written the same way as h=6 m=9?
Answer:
h=8 m=18
